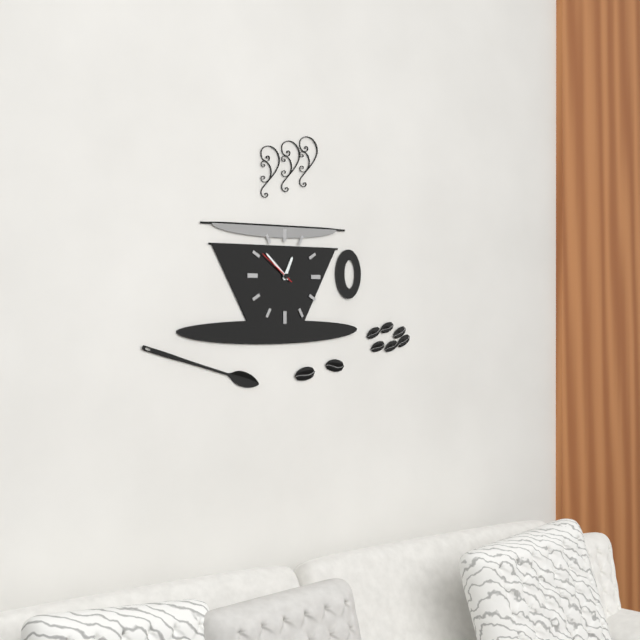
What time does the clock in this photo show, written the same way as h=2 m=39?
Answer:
h=12 m=52
